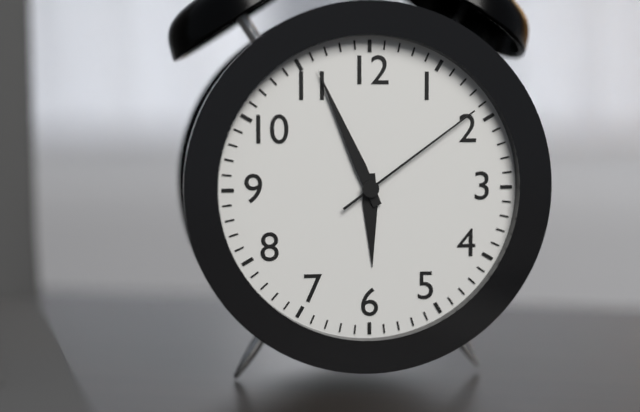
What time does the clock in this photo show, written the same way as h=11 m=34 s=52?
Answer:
h=5 m=56 s=9
